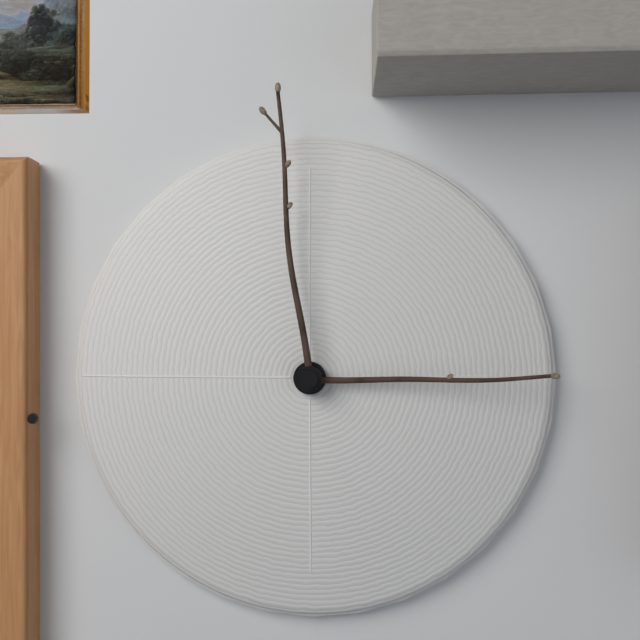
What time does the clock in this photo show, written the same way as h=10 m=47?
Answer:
h=2 m=59
